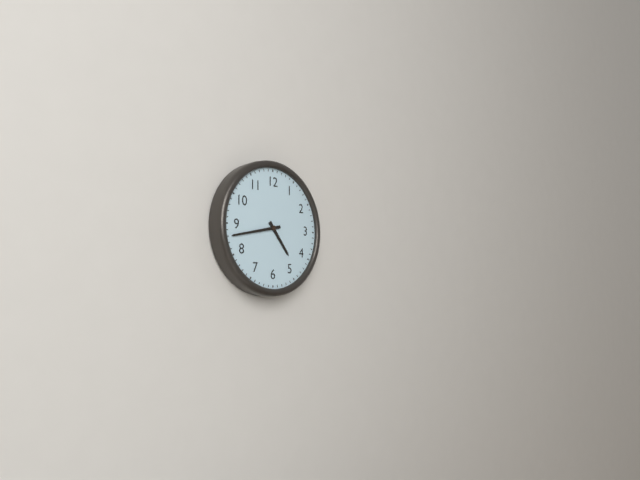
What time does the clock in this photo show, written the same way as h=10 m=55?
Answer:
h=4 m=43
